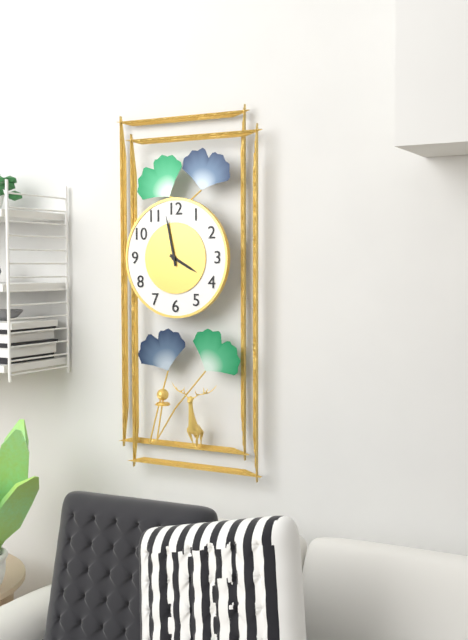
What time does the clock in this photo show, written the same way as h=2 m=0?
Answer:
h=3 m=58
